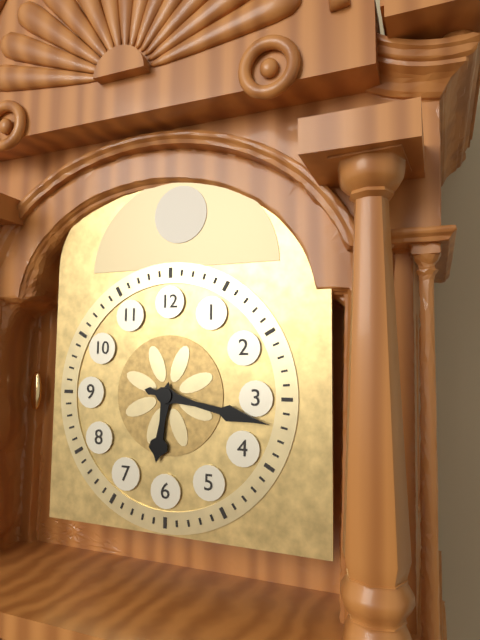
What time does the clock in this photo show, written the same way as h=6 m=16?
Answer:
h=6 m=17
